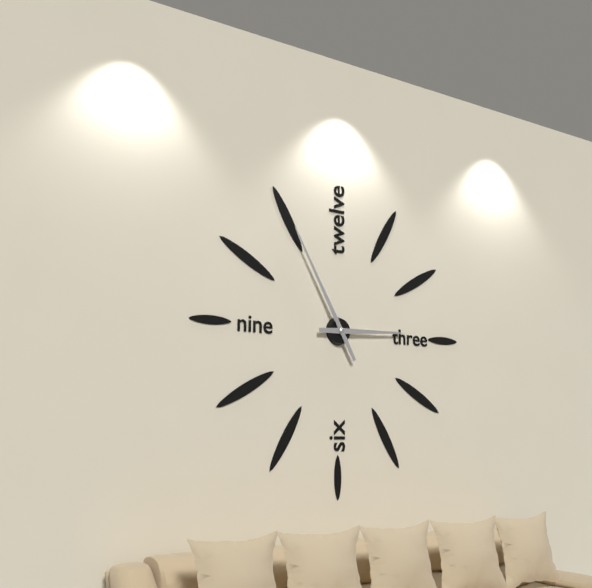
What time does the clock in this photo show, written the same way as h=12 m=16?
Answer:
h=2 m=55
